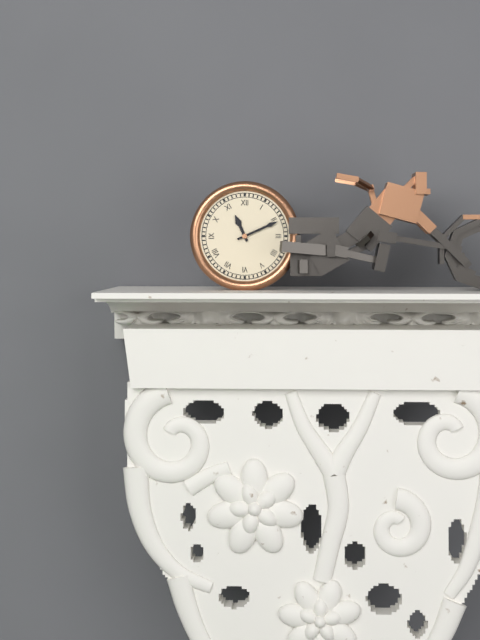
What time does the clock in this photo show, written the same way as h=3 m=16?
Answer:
h=11 m=11
